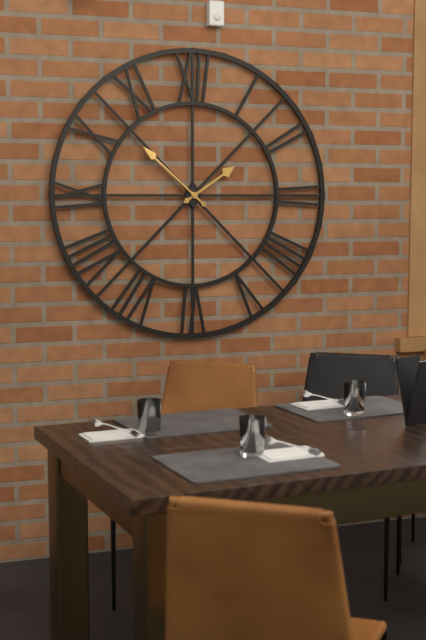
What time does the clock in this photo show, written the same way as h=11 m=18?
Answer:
h=1 m=52
